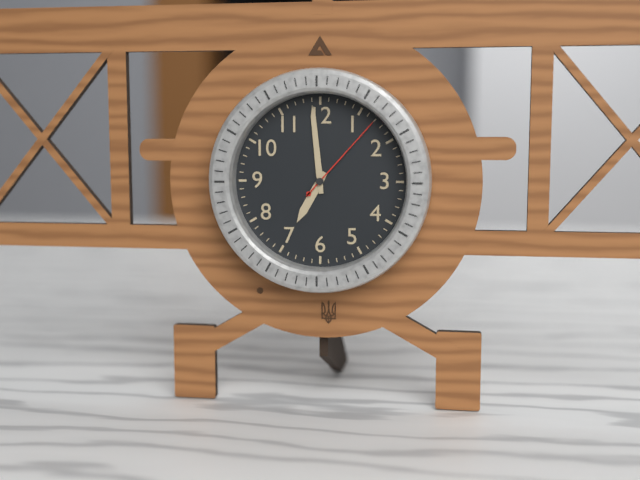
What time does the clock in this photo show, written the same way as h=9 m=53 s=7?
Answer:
h=6 m=59 s=7
